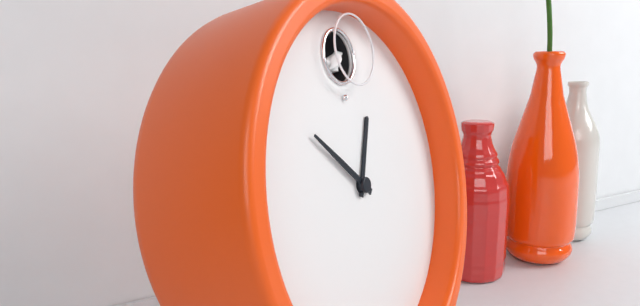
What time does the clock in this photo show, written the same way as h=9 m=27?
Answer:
h=12 m=52
